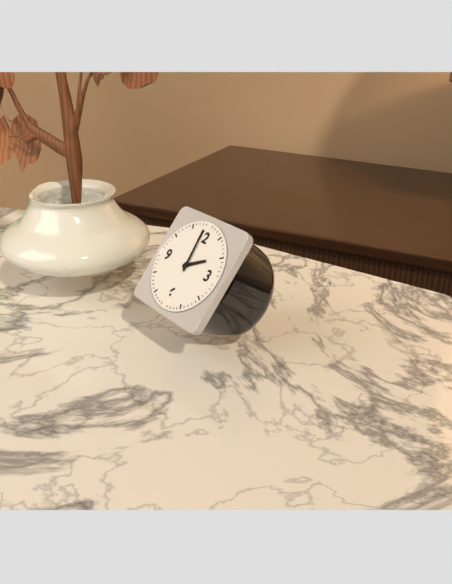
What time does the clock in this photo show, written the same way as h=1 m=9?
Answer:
h=1 m=59
